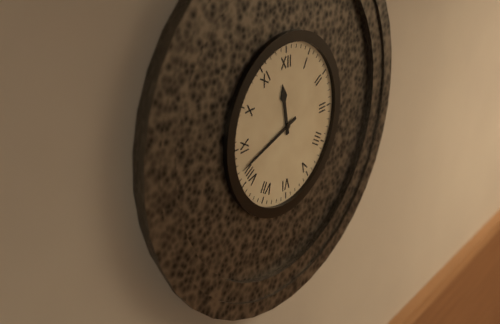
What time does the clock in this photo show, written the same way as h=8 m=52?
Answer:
h=11 m=42
